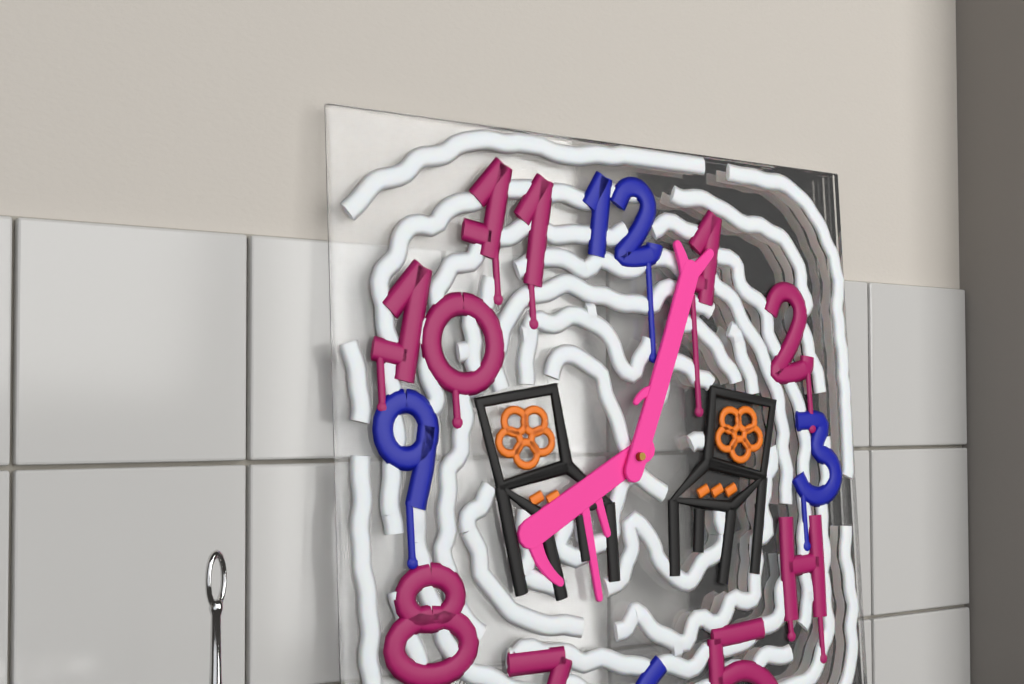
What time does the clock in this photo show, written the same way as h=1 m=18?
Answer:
h=8 m=4
